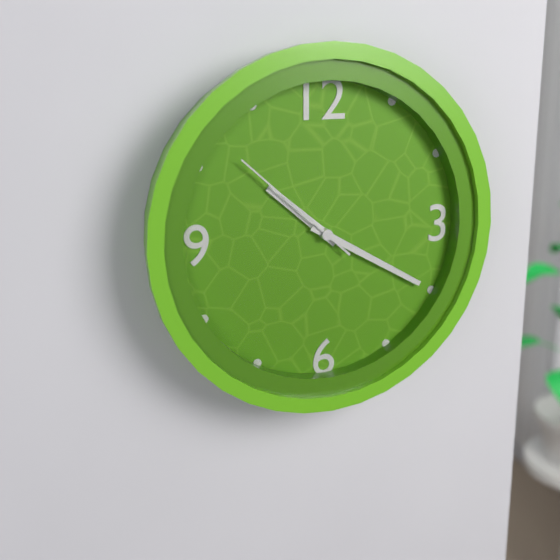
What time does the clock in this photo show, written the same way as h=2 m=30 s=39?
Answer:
h=10 m=20 s=52
